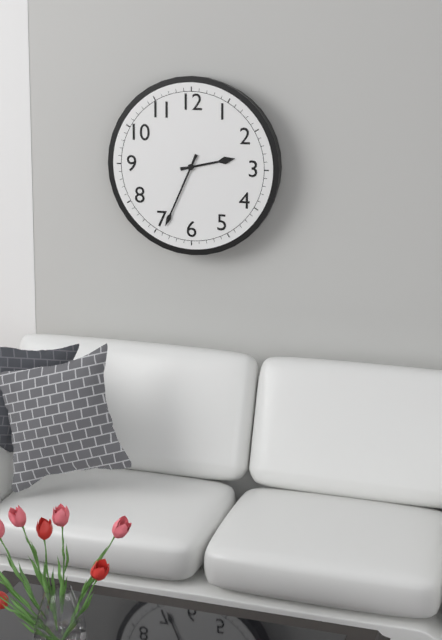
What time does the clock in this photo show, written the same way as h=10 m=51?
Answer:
h=2 m=34
